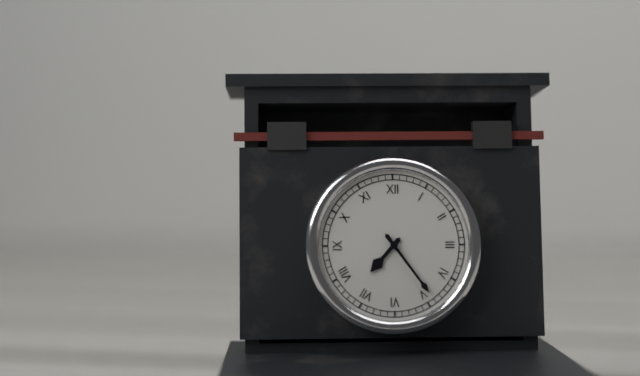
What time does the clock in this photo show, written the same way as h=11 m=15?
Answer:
h=7 m=24
